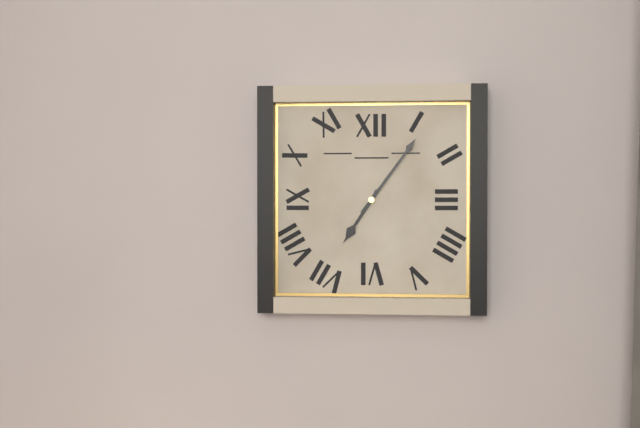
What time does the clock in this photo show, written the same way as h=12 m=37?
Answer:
h=7 m=6
